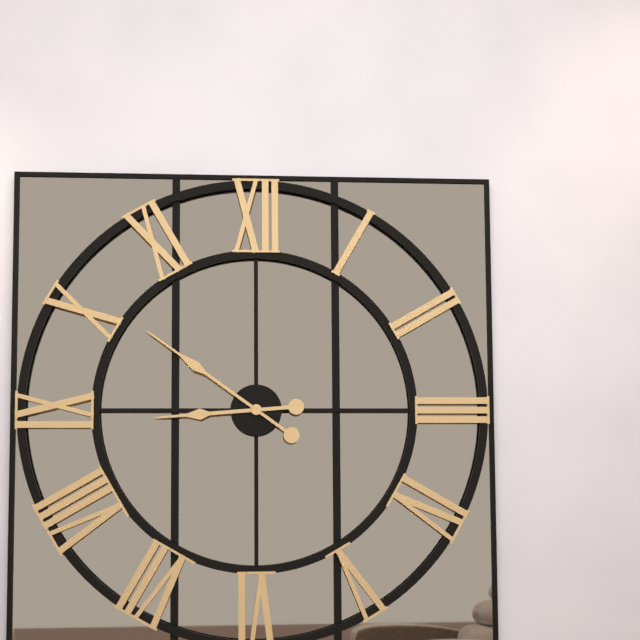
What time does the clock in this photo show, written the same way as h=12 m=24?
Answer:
h=8 m=51
